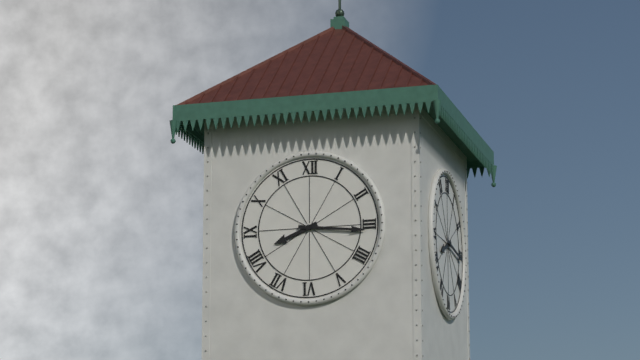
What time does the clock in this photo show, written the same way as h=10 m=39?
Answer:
h=8 m=16
